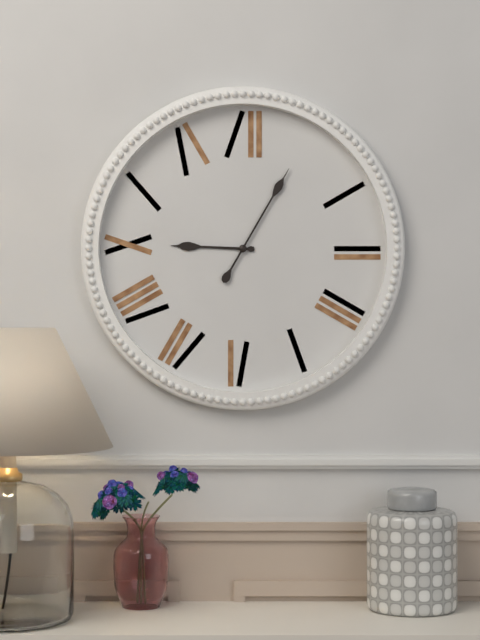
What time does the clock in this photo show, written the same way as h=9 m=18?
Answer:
h=9 m=5
